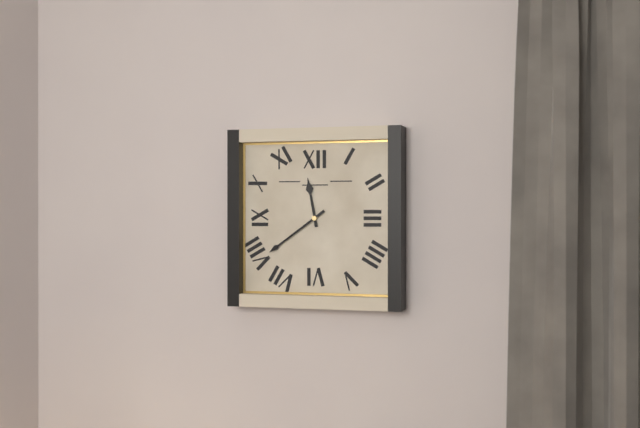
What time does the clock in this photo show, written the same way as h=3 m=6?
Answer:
h=11 m=39
